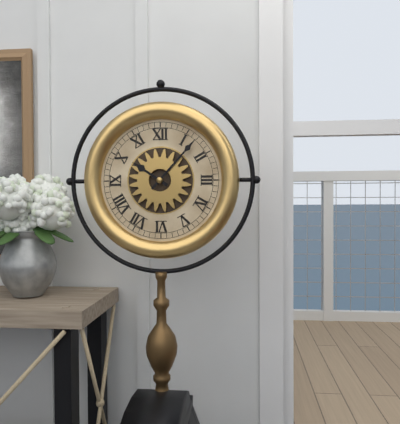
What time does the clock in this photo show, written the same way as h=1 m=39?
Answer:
h=10 m=7
